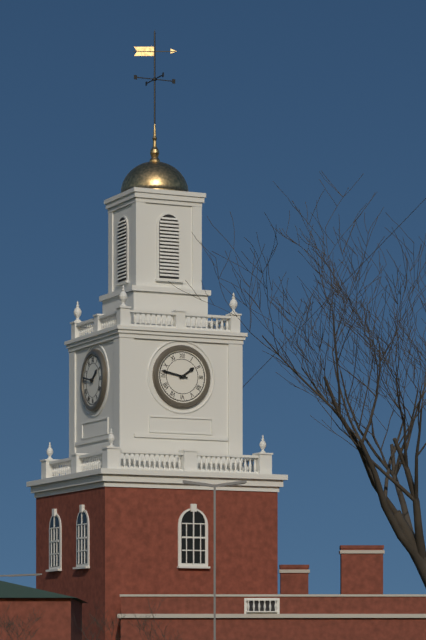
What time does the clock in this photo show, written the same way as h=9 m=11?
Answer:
h=1 m=47
